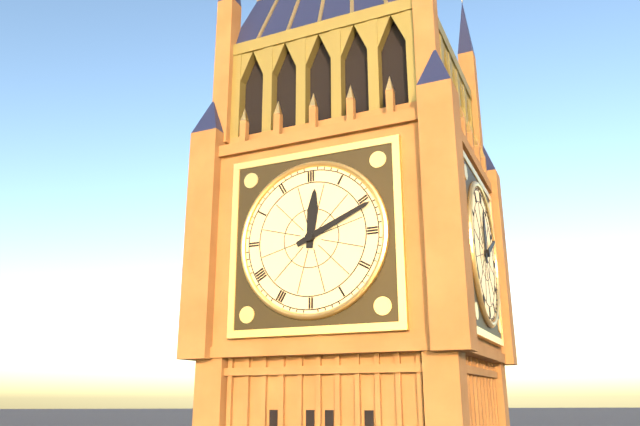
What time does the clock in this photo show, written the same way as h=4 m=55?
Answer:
h=12 m=11
